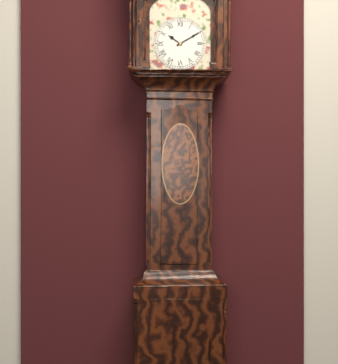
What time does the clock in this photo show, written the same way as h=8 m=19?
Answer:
h=10 m=10
